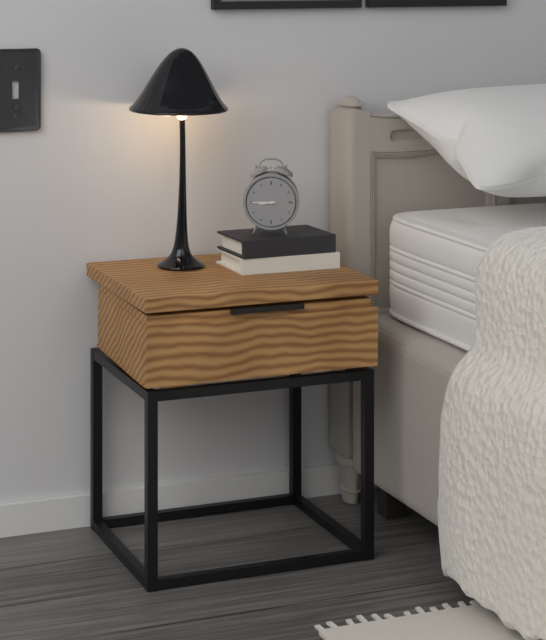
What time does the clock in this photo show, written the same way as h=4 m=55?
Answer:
h=8 m=45
